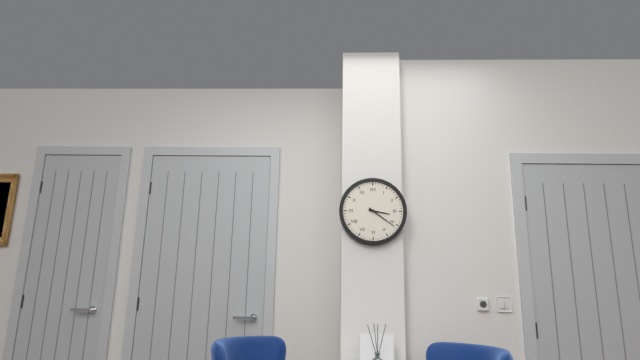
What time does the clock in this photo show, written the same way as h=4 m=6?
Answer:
h=3 m=21
